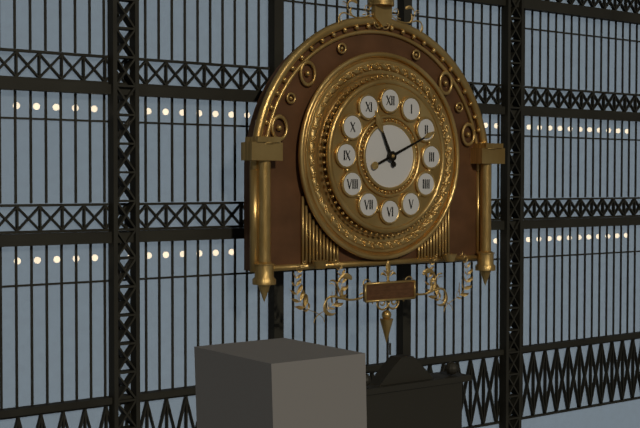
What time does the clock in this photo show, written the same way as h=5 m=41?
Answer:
h=11 m=11
